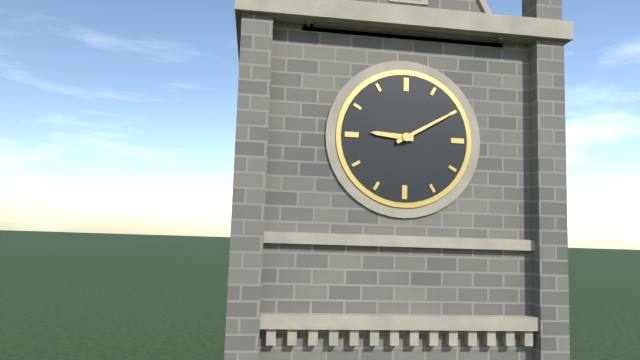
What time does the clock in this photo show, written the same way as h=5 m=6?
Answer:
h=9 m=10
